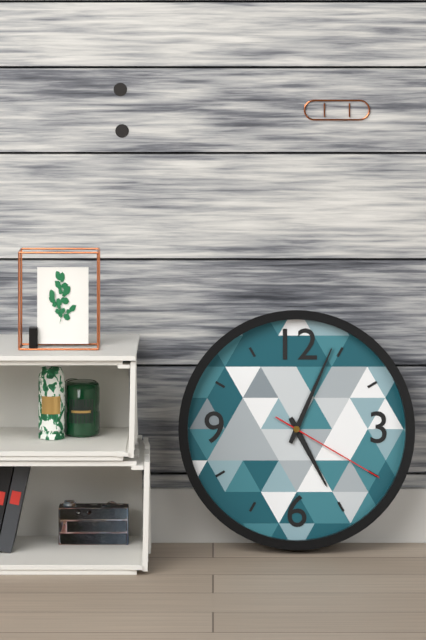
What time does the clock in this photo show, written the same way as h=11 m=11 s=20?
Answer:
h=5 m=4 s=20
